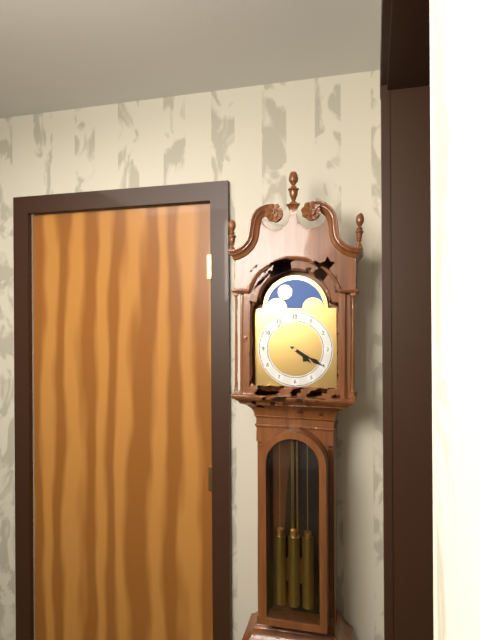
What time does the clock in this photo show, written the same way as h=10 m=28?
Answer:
h=4 m=20
